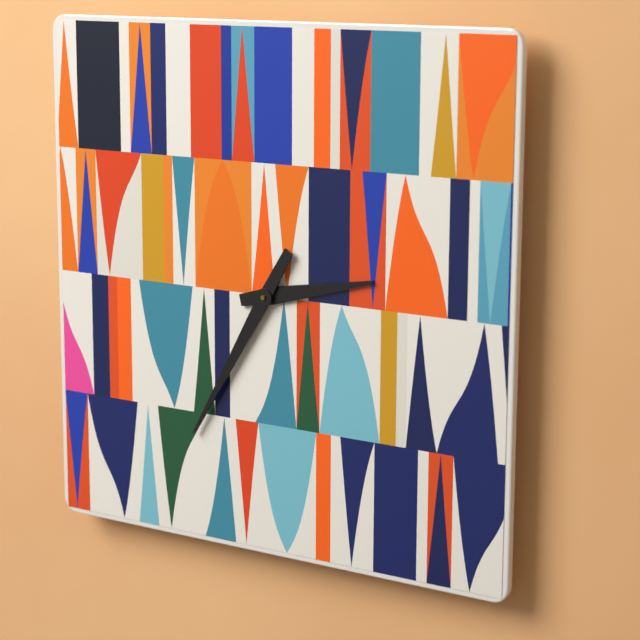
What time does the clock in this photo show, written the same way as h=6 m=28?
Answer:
h=2 m=35
